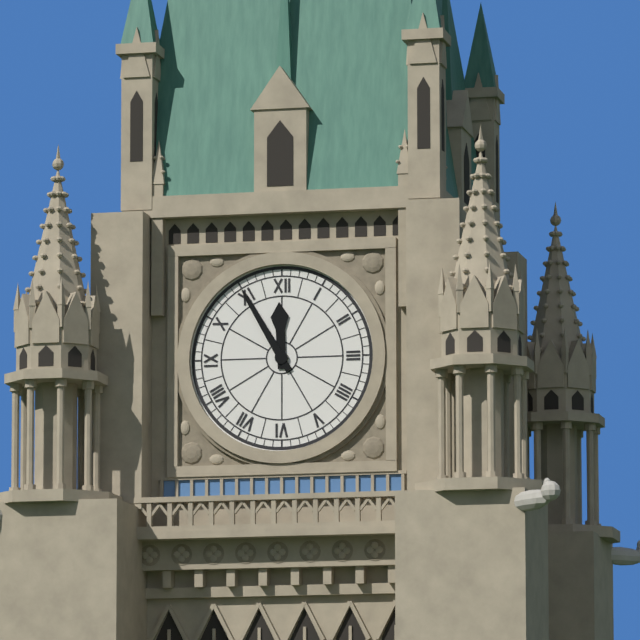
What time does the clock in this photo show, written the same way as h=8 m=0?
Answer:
h=11 m=55
